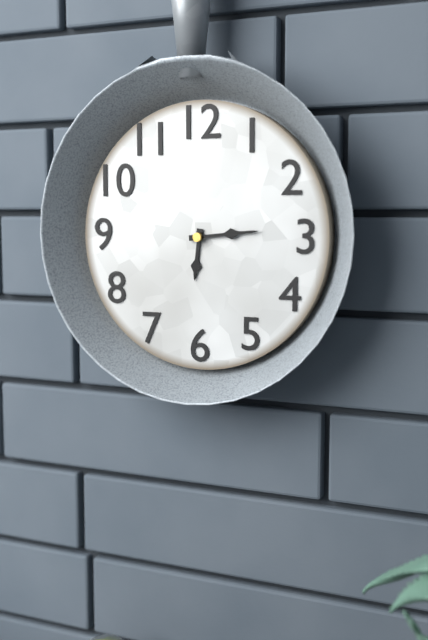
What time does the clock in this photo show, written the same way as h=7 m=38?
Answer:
h=6 m=14
